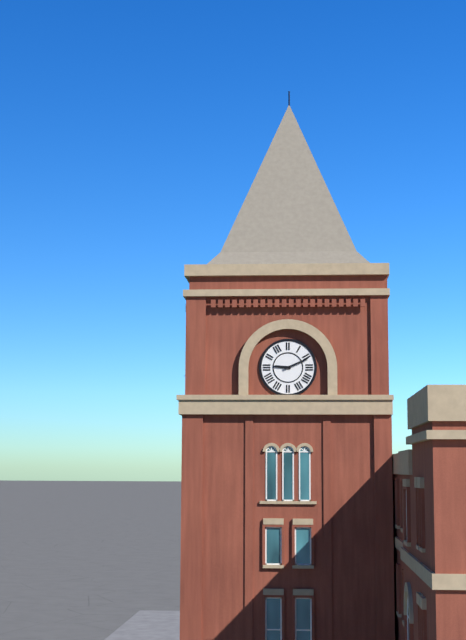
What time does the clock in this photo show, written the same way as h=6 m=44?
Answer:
h=9 m=11
